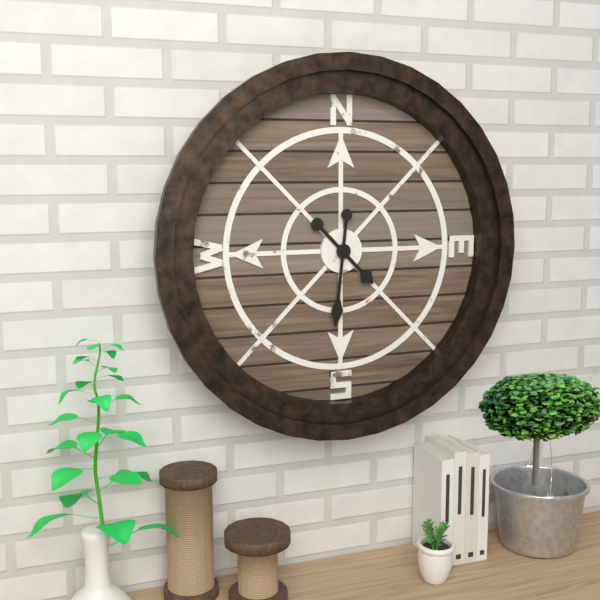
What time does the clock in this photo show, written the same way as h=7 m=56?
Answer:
h=4 m=31
